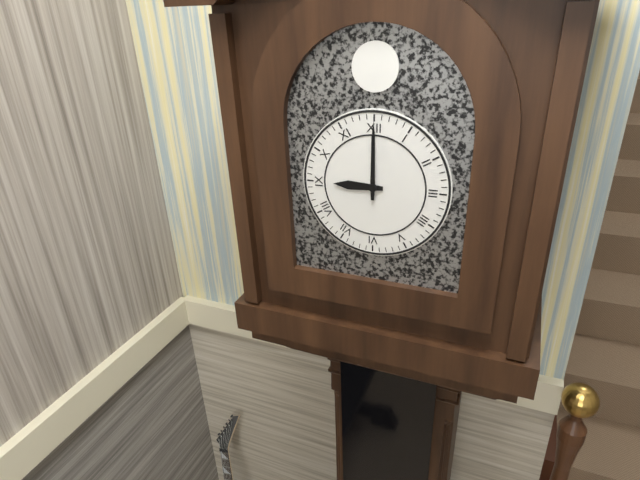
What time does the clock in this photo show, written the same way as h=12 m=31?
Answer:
h=9 m=0
